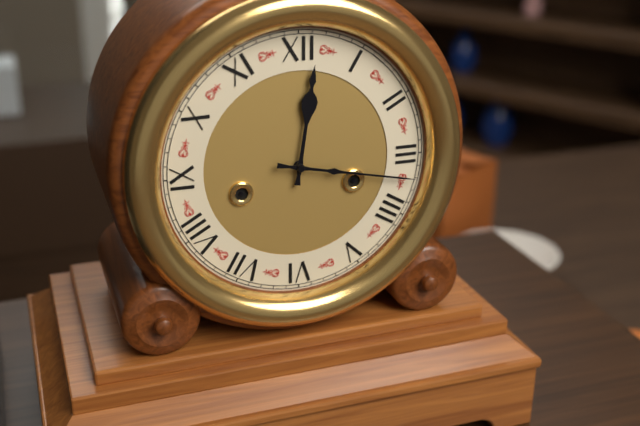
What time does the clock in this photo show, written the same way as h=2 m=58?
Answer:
h=12 m=17
